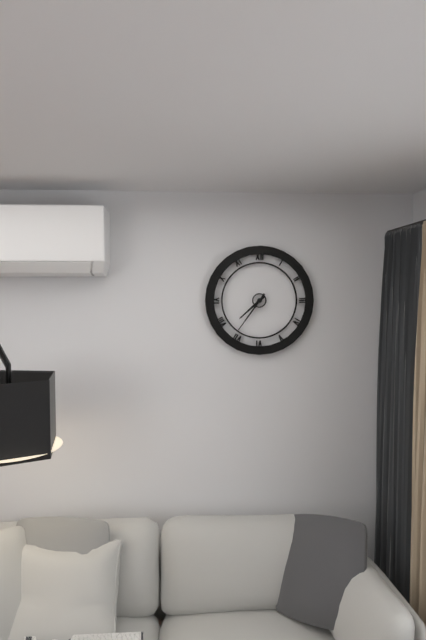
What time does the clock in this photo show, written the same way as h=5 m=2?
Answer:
h=7 m=36
